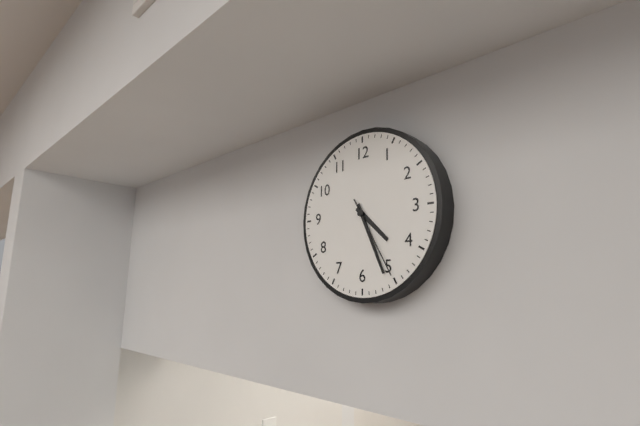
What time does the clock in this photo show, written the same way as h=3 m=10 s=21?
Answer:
h=4 m=26 s=25
